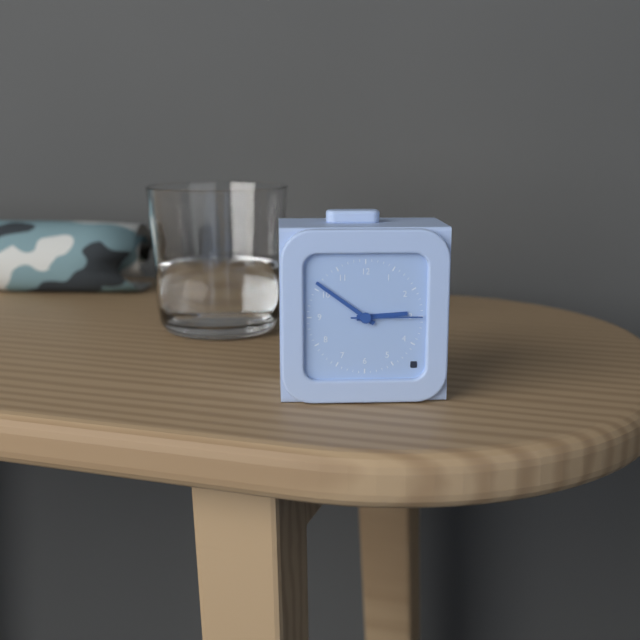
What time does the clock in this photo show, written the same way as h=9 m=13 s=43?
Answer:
h=2 m=51 s=15
